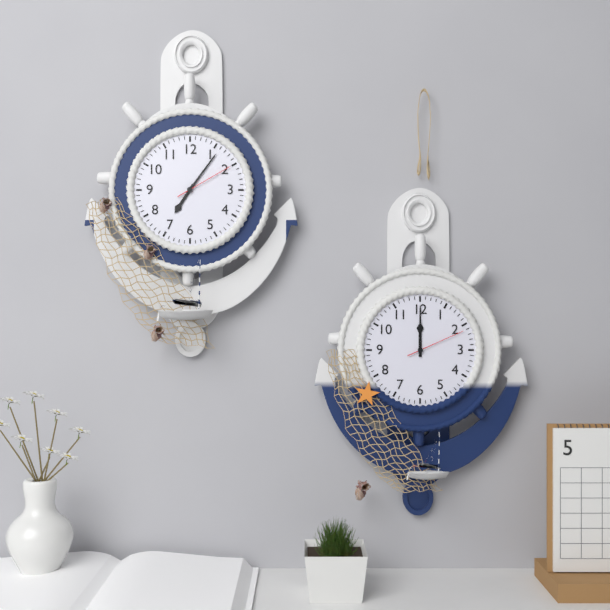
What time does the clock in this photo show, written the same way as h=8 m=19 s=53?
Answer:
h=7 m=6 s=10
